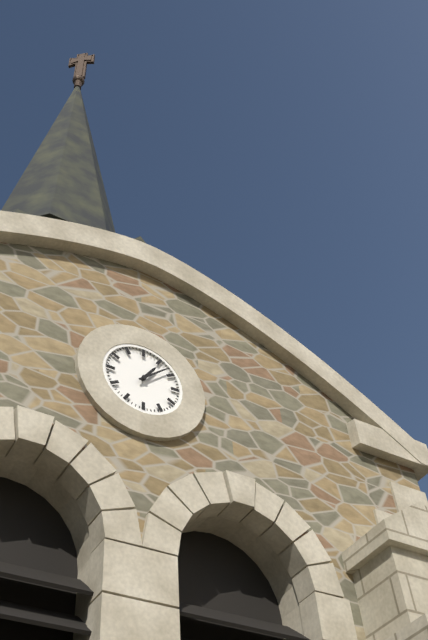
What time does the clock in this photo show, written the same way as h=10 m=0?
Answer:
h=1 m=8
